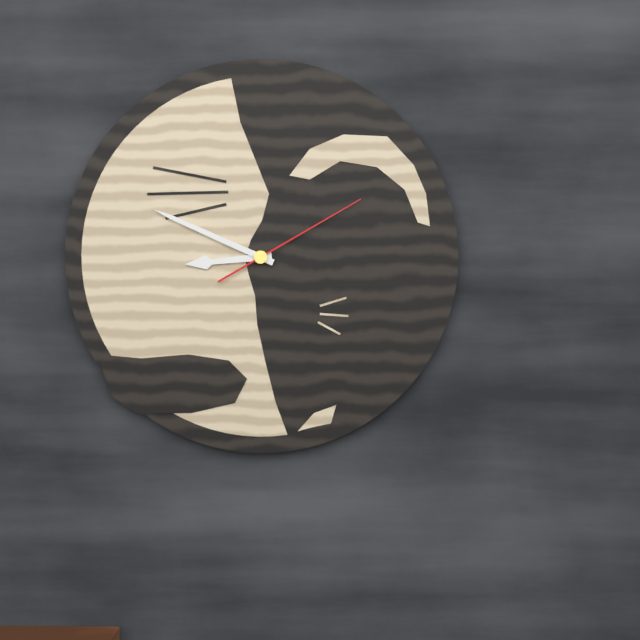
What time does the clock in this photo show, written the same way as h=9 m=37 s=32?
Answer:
h=8 m=49 s=10
